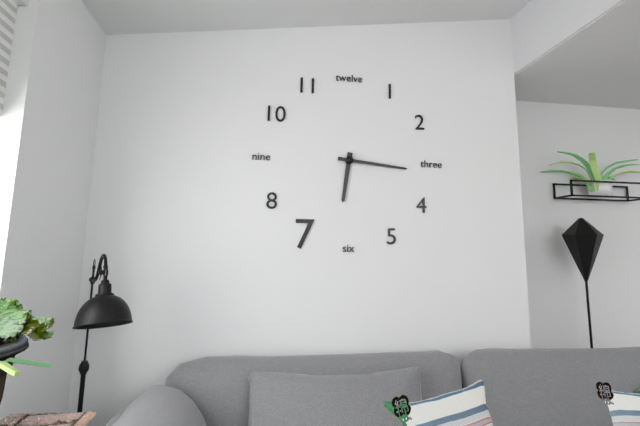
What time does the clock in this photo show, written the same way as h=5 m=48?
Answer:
h=6 m=16
